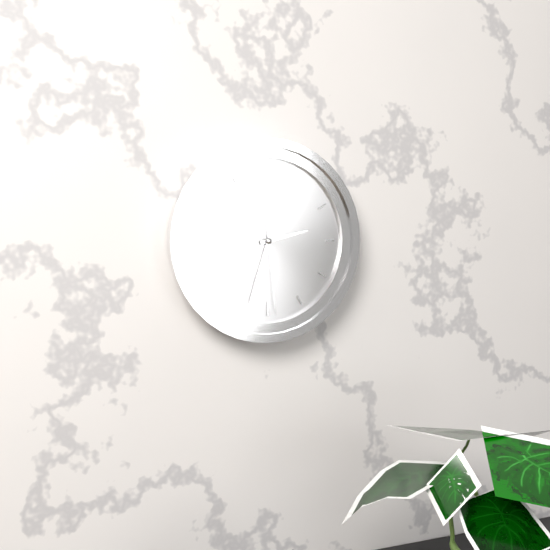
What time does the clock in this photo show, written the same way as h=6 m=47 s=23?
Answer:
h=2 m=33 s=29
